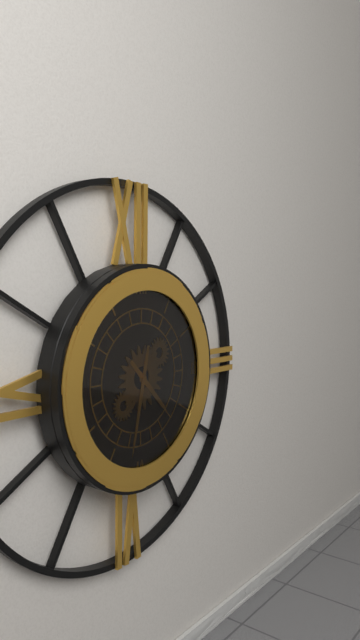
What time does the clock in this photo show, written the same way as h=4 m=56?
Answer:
h=4 m=32
